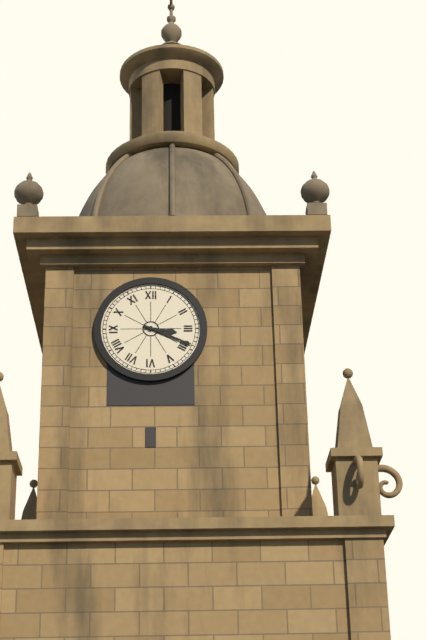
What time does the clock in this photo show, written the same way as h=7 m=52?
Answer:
h=3 m=19
